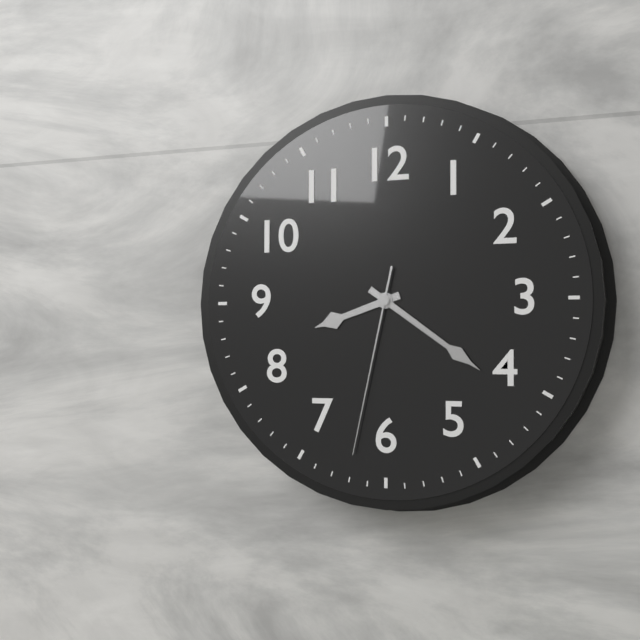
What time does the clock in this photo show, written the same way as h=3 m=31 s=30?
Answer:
h=8 m=21 s=32
